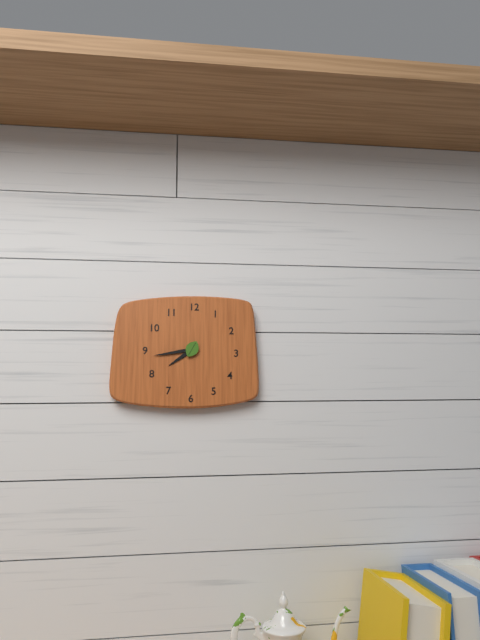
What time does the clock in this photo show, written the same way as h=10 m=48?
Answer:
h=7 m=43
